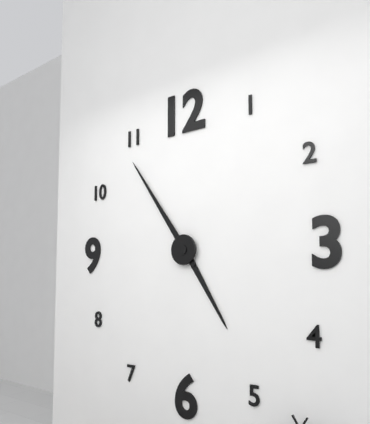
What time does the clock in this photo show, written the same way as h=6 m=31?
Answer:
h=4 m=54
